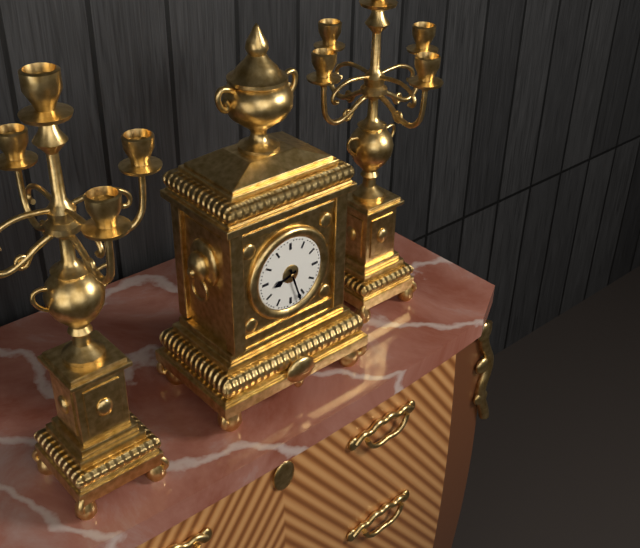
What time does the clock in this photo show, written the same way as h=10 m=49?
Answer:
h=8 m=27
